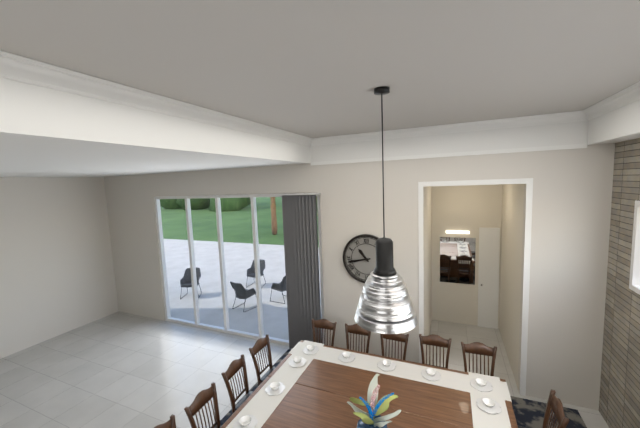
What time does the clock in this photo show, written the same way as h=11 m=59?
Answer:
h=10 m=43
